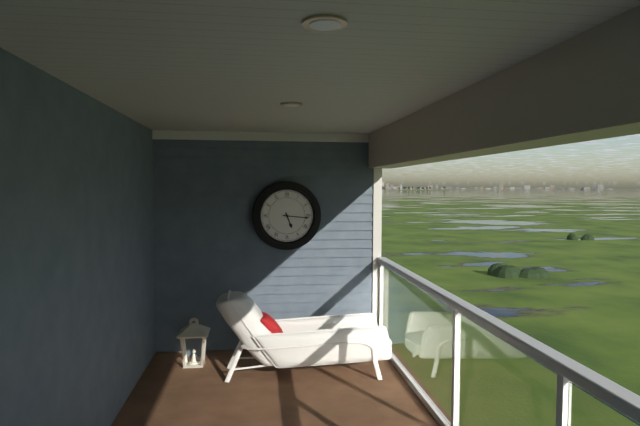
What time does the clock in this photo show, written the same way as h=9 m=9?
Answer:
h=5 m=16
